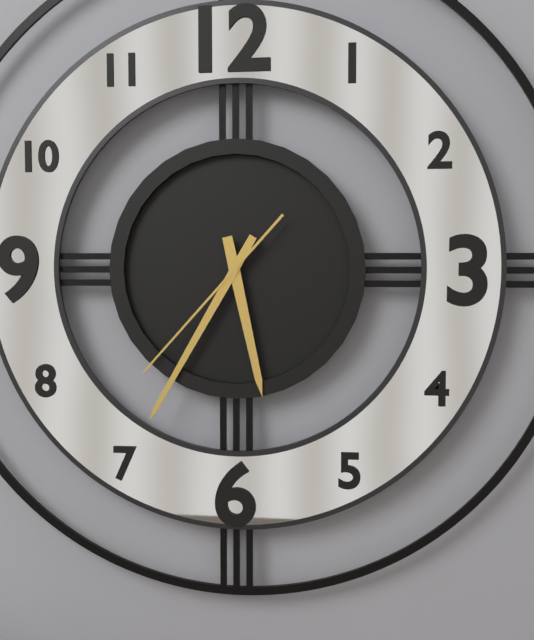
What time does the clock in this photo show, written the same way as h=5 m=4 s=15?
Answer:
h=5 m=35 s=37
